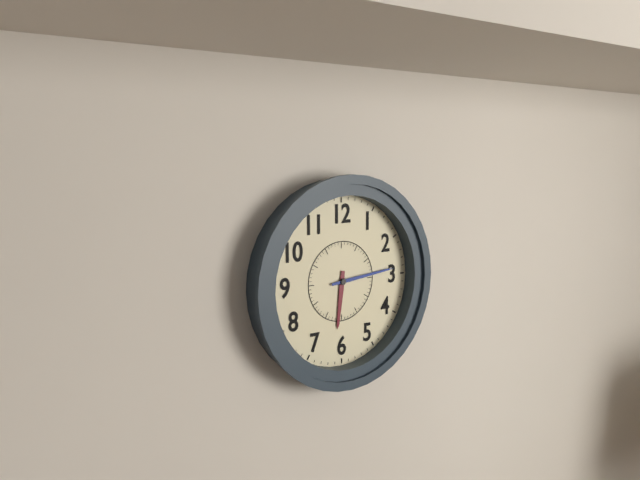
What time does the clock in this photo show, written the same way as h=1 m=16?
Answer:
h=6 m=14
